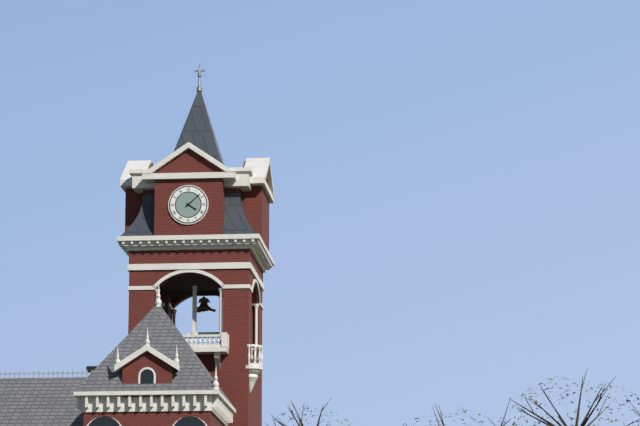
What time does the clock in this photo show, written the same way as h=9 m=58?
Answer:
h=4 m=8
